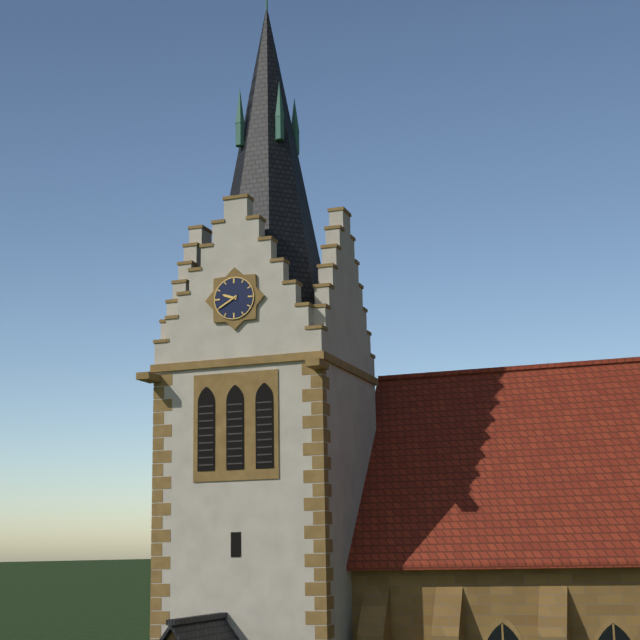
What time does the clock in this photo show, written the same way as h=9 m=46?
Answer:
h=9 m=40
